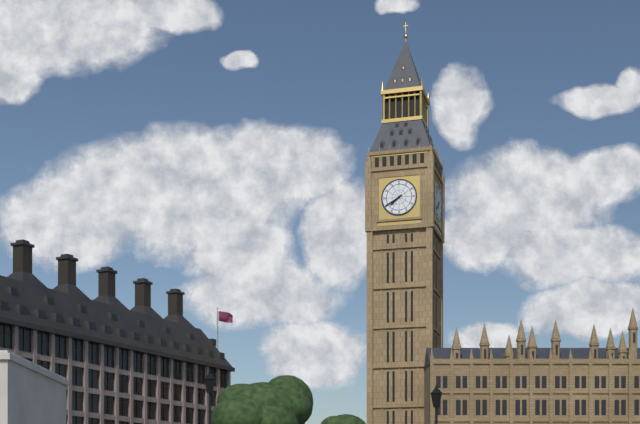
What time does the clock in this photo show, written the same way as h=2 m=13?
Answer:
h=7 m=40
